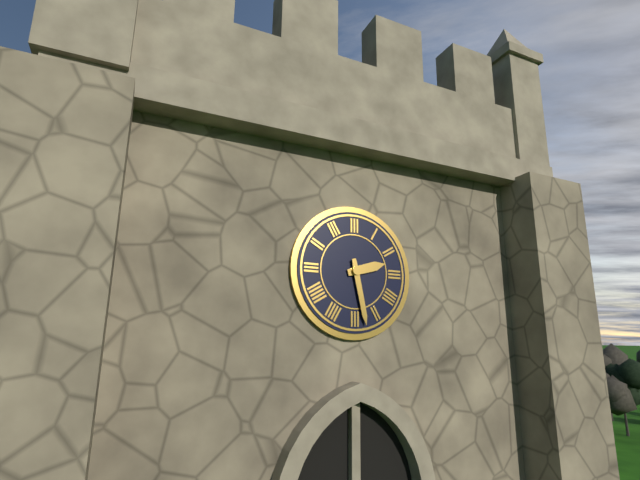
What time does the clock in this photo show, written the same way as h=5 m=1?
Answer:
h=2 m=28
